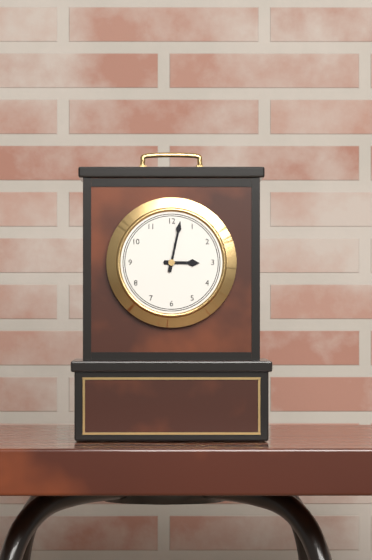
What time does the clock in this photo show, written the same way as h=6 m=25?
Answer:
h=3 m=2
